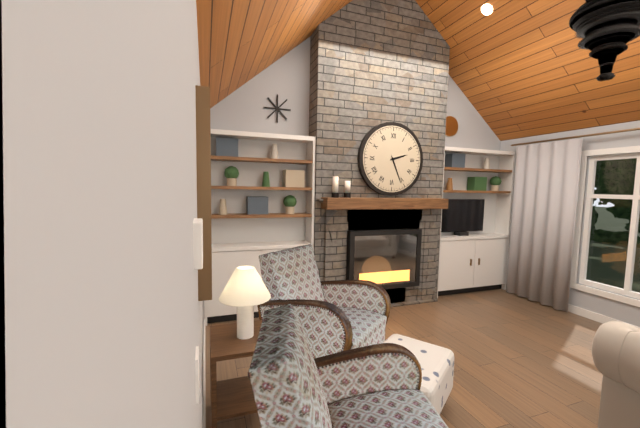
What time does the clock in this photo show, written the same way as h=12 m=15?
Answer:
h=2 m=26
